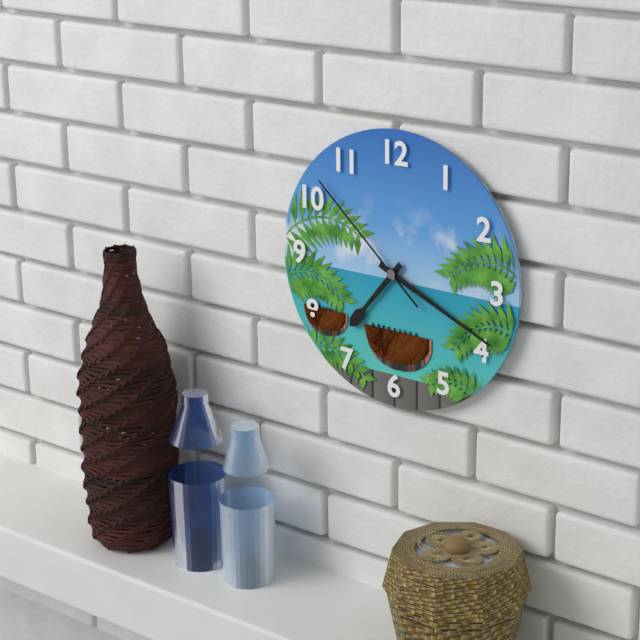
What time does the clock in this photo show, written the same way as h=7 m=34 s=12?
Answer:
h=7 m=19 s=52
